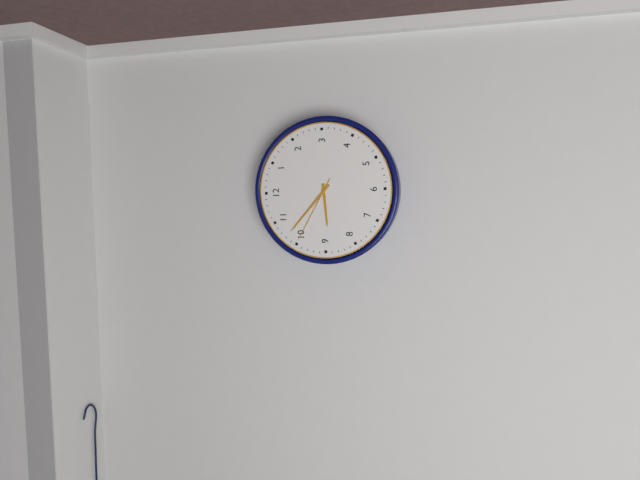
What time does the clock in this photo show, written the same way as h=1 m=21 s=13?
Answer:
h=8 m=52 s=50
